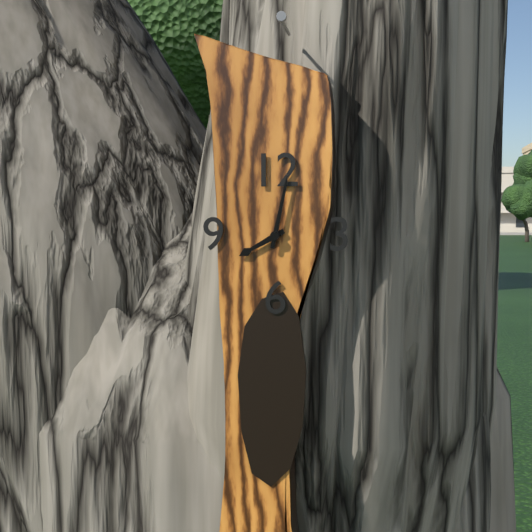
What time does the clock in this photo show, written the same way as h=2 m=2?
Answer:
h=8 m=2
